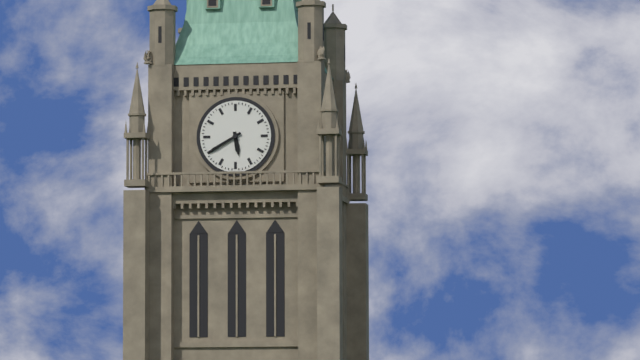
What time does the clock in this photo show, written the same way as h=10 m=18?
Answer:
h=5 m=40
